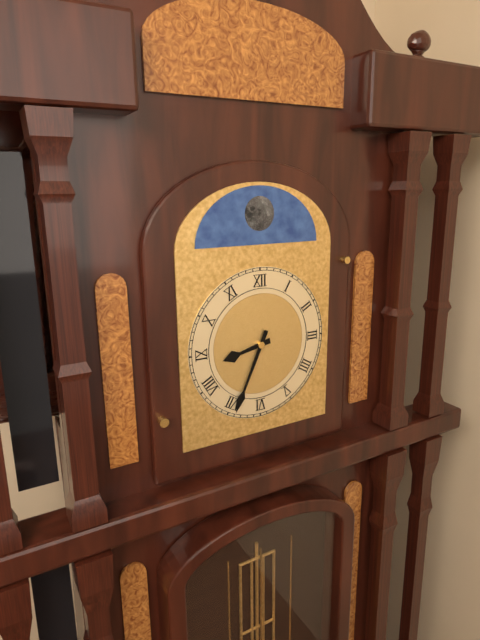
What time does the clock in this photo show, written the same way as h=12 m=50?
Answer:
h=8 m=34
